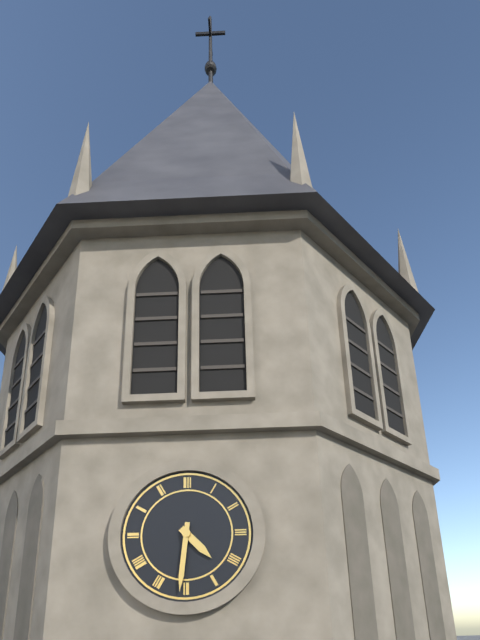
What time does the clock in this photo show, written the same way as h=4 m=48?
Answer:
h=4 m=31
